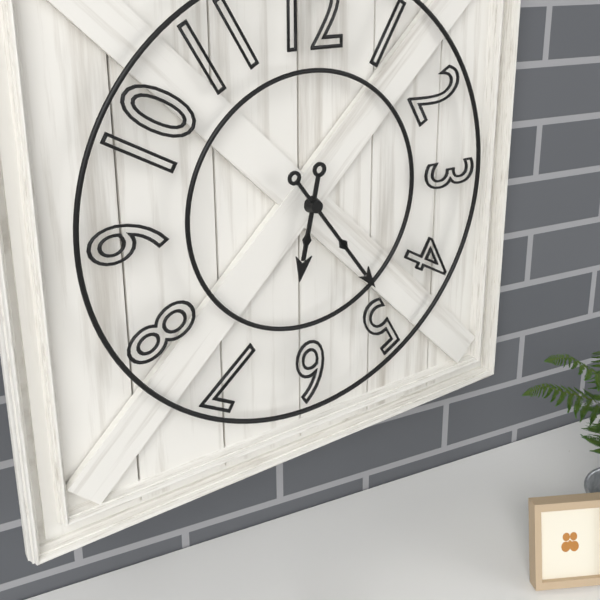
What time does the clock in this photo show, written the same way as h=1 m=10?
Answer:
h=6 m=24
